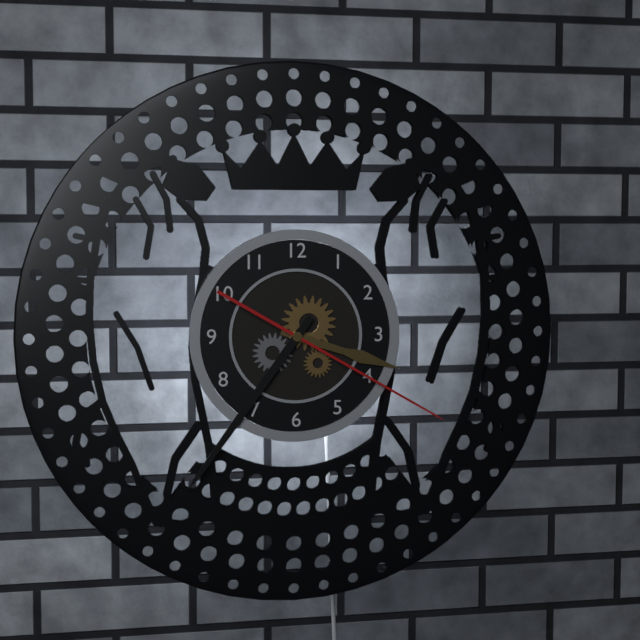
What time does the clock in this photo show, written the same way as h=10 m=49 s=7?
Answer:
h=3 m=36 s=20
